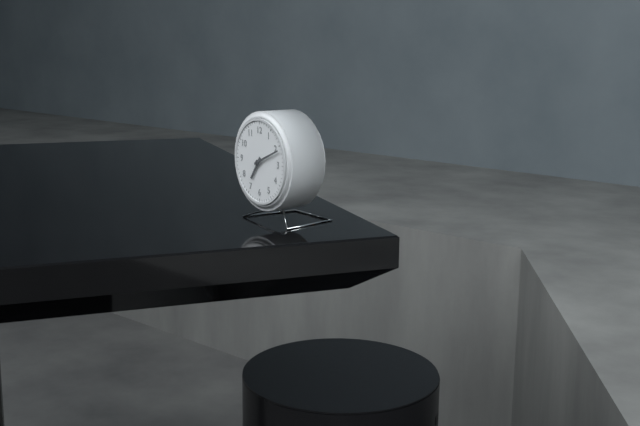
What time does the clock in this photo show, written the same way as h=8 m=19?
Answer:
h=7 m=11
